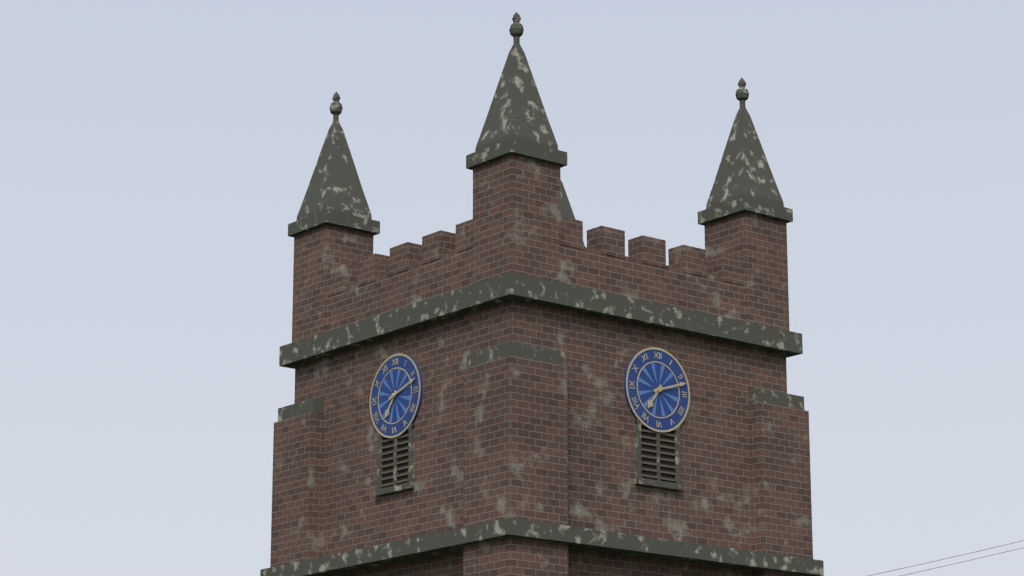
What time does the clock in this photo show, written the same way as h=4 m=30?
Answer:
h=7 m=12
